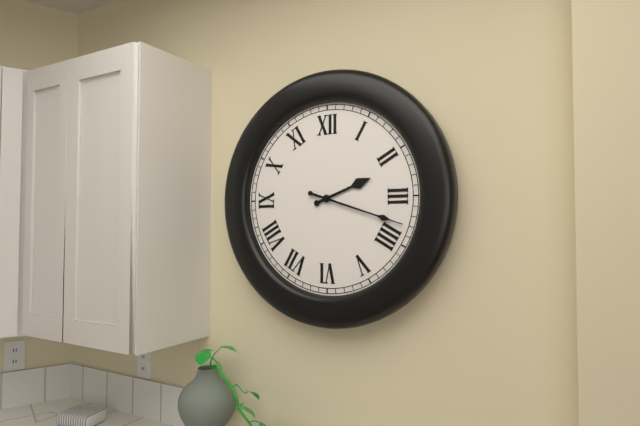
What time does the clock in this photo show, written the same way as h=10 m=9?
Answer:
h=2 m=18
